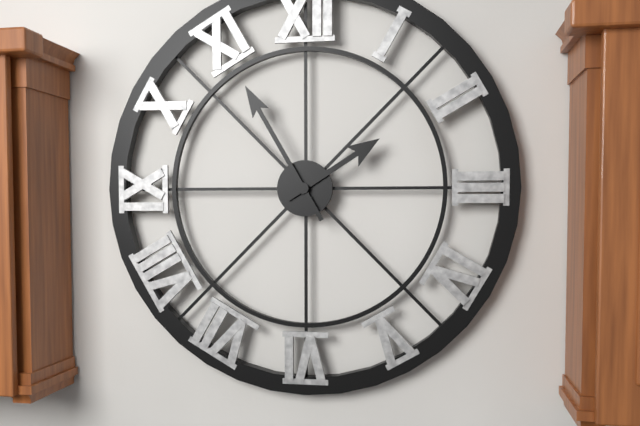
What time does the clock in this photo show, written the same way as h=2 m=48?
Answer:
h=1 m=55
